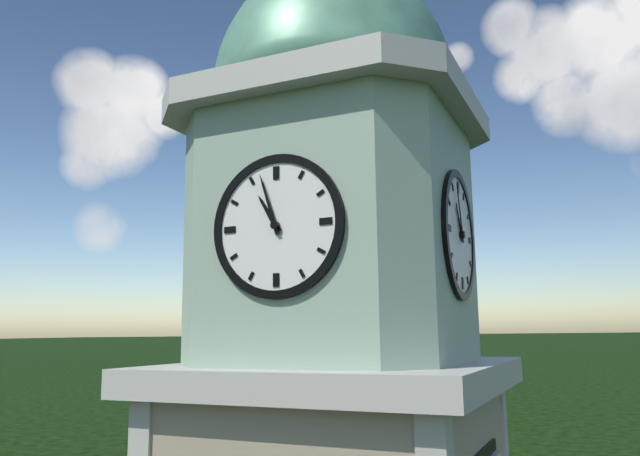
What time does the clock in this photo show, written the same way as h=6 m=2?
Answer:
h=10 m=57
